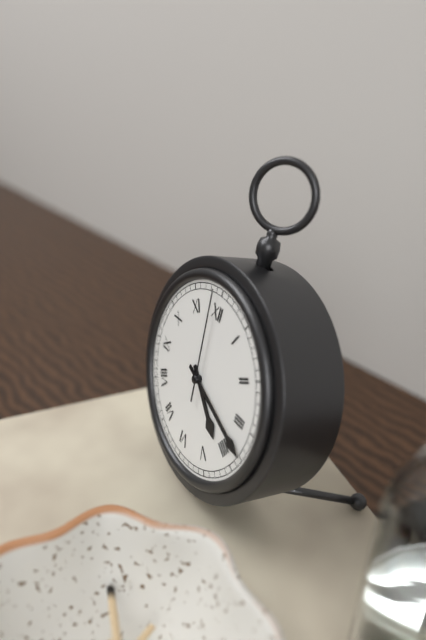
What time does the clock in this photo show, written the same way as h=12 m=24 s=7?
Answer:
h=4 m=18 s=59
